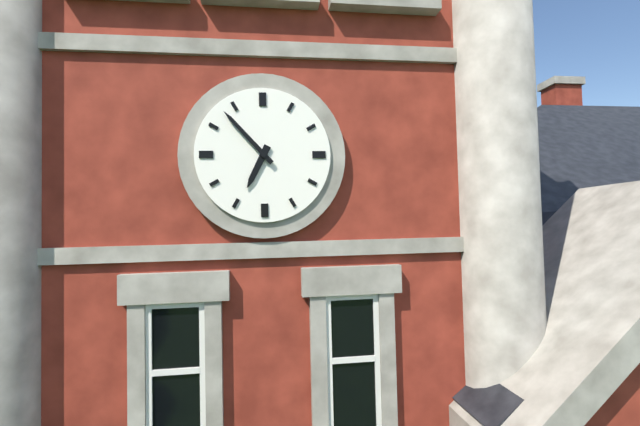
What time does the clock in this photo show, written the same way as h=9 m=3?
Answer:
h=6 m=53
